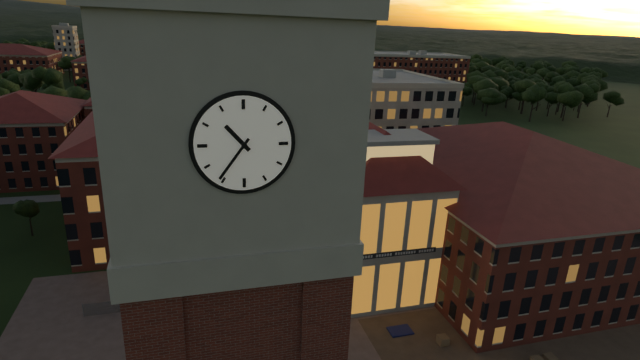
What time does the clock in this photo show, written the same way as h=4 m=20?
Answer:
h=10 m=36
